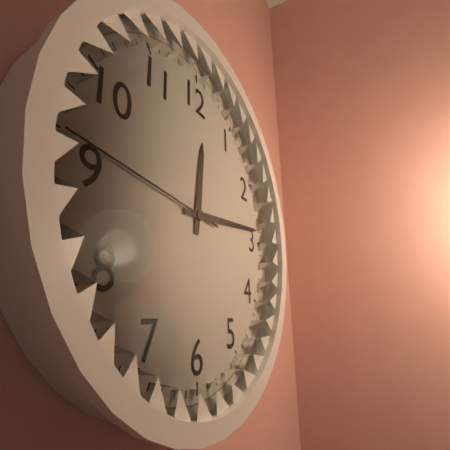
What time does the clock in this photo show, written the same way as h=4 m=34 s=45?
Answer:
h=12 m=14 s=46
